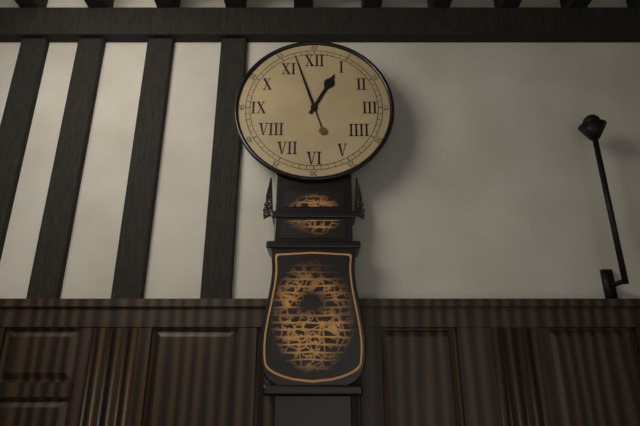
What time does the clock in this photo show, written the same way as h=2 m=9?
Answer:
h=12 m=57
